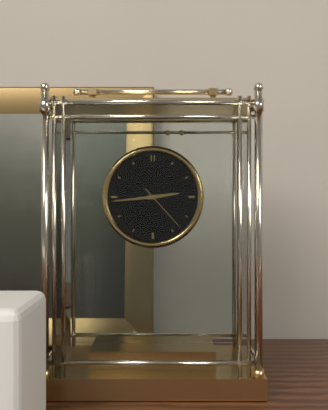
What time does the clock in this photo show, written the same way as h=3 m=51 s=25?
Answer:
h=2 m=44 s=23
